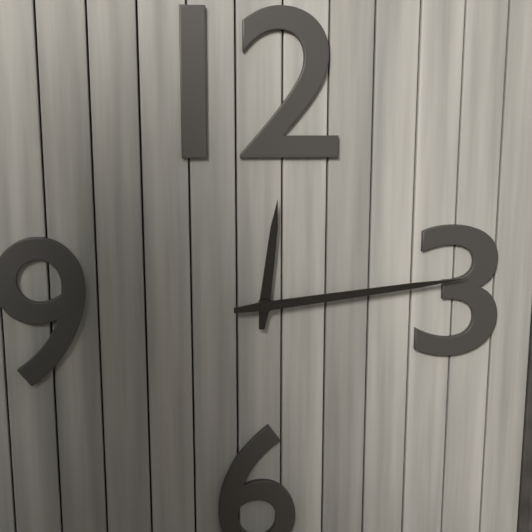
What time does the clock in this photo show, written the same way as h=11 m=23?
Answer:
h=12 m=14
